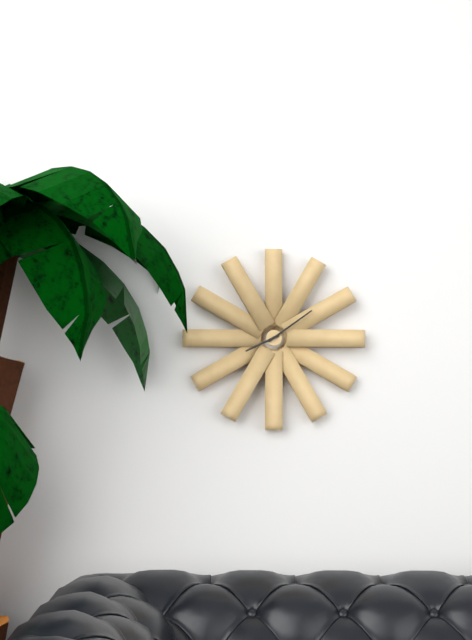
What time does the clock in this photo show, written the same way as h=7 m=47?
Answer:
h=8 m=9
